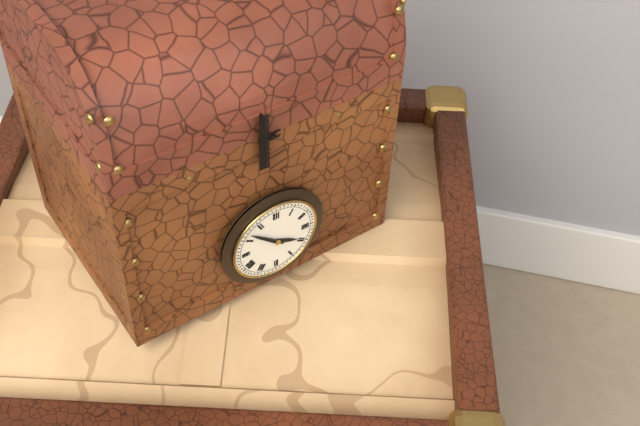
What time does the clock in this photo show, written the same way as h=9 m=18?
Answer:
h=3 m=52
